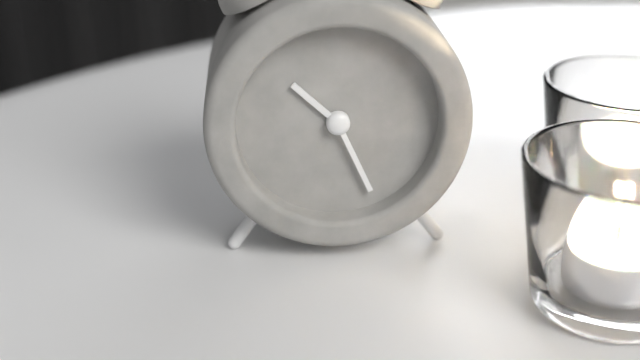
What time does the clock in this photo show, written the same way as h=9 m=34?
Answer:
h=10 m=26
